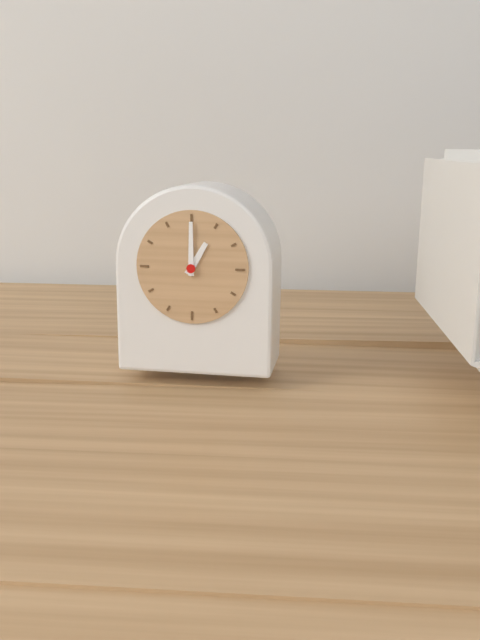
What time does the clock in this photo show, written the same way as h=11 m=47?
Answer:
h=1 m=0
